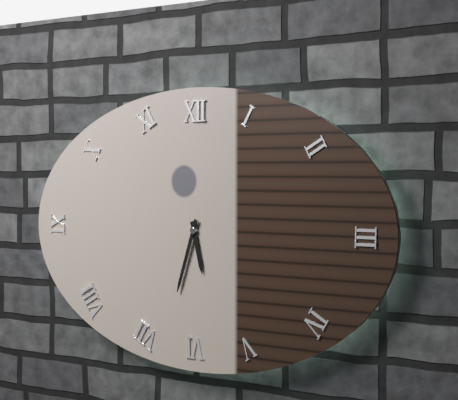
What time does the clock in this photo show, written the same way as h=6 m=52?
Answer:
h=5 m=33
